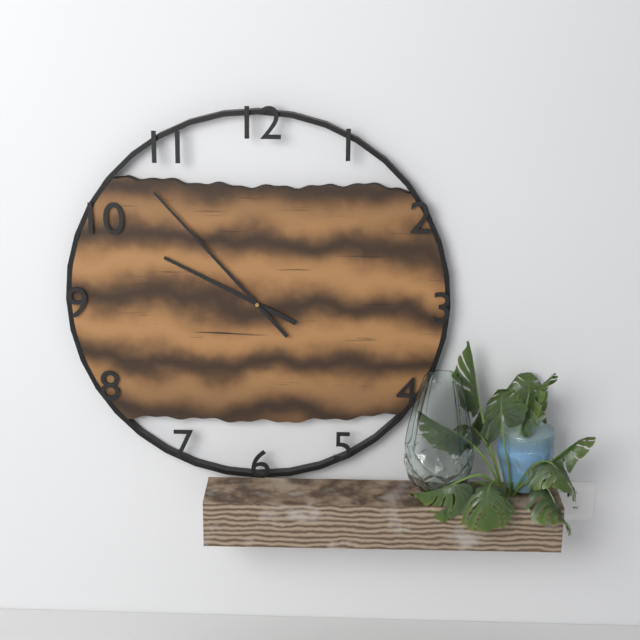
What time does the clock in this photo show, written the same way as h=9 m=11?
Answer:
h=9 m=53
